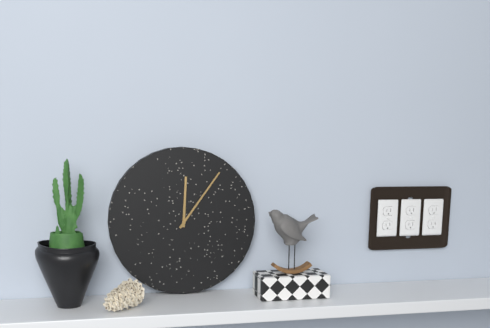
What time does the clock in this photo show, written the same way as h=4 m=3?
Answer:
h=12 m=6
